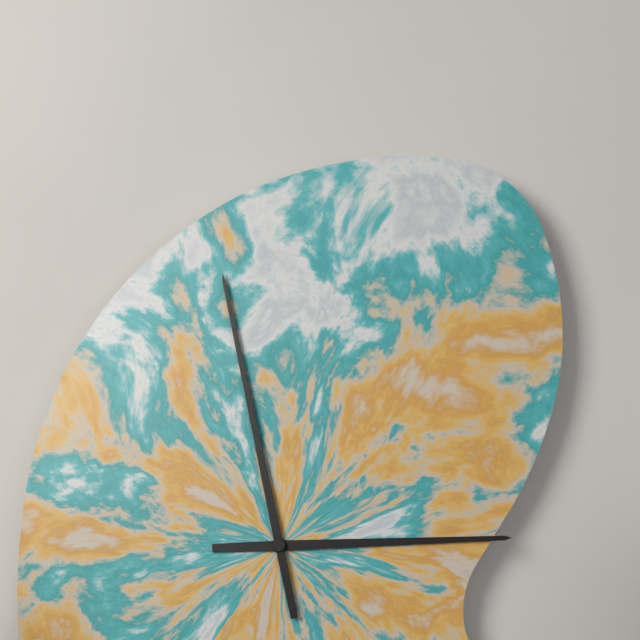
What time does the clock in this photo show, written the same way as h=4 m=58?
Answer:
h=2 m=58
